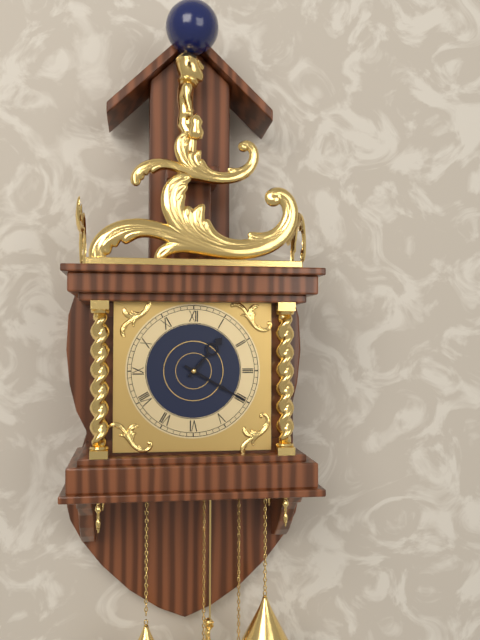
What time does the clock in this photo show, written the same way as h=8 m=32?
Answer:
h=1 m=20
